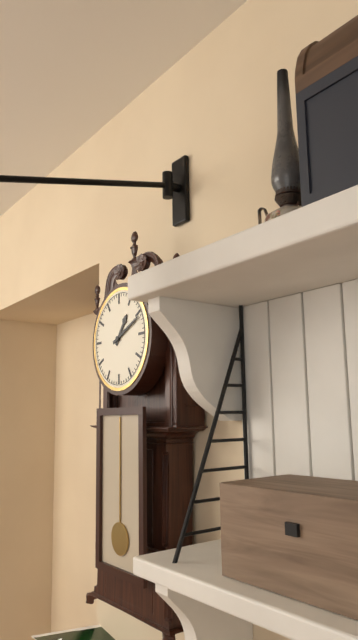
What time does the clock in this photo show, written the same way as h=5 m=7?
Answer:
h=1 m=11
